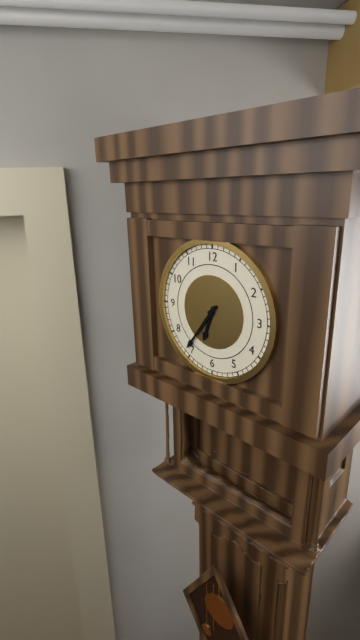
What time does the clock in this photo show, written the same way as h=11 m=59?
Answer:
h=6 m=36
